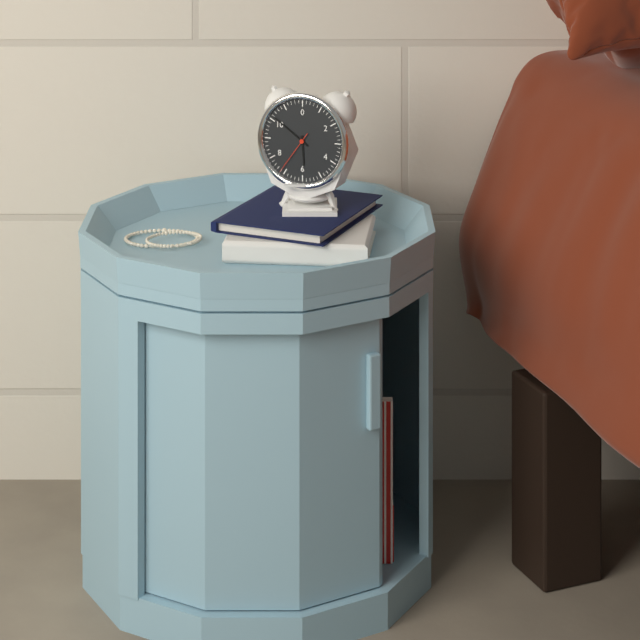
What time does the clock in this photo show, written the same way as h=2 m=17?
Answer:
h=5 m=51
